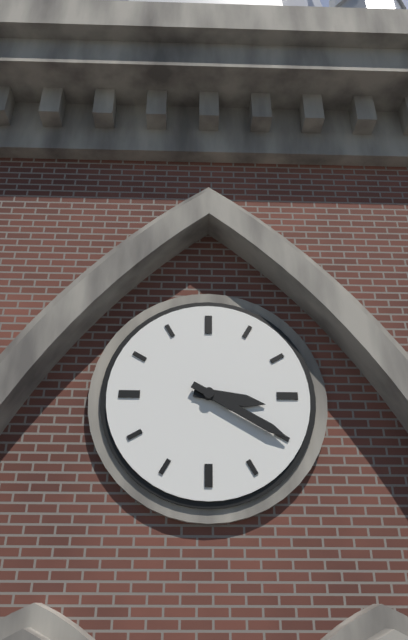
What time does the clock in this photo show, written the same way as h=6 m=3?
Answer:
h=3 m=20
